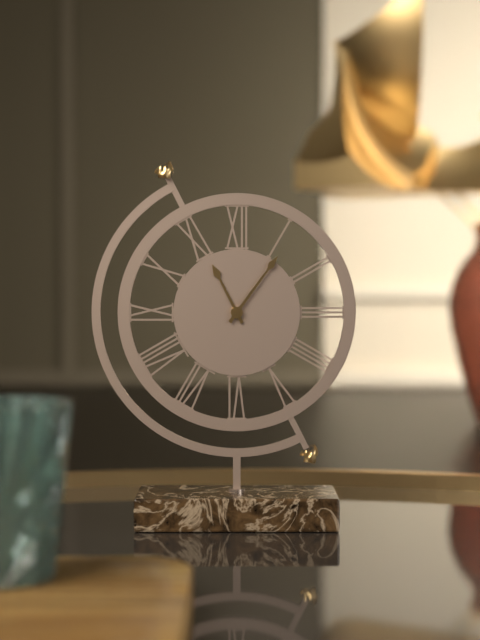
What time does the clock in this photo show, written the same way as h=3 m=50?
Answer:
h=11 m=6
